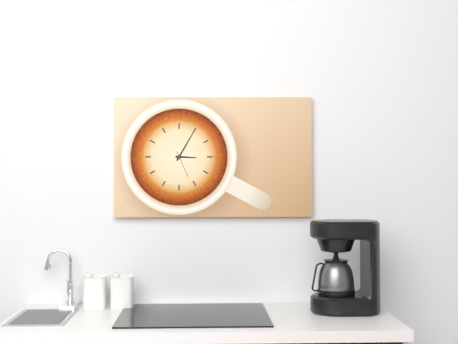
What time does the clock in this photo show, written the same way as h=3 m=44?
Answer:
h=3 m=5
